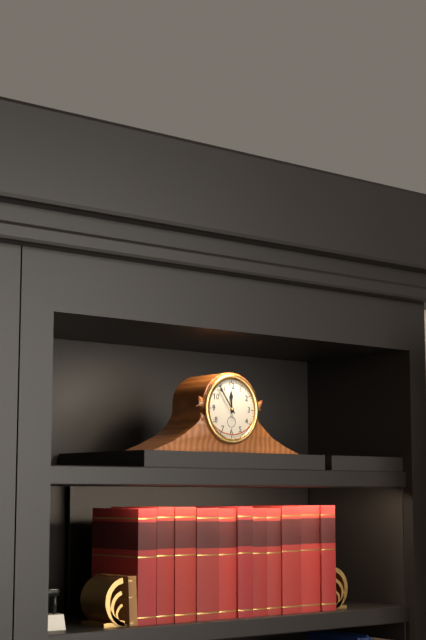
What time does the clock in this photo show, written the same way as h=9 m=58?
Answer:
h=11 m=54
